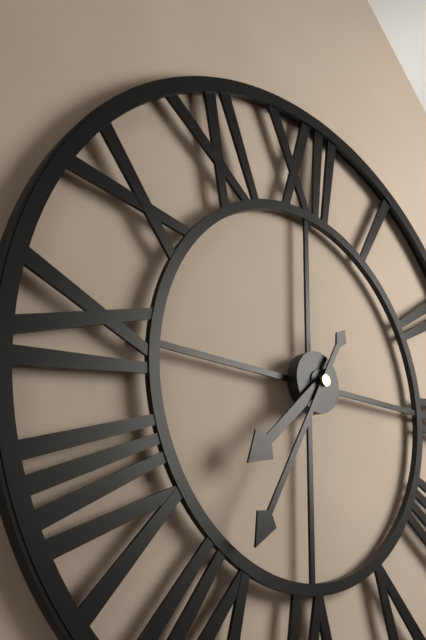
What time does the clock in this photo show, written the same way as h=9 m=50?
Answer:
h=7 m=35
